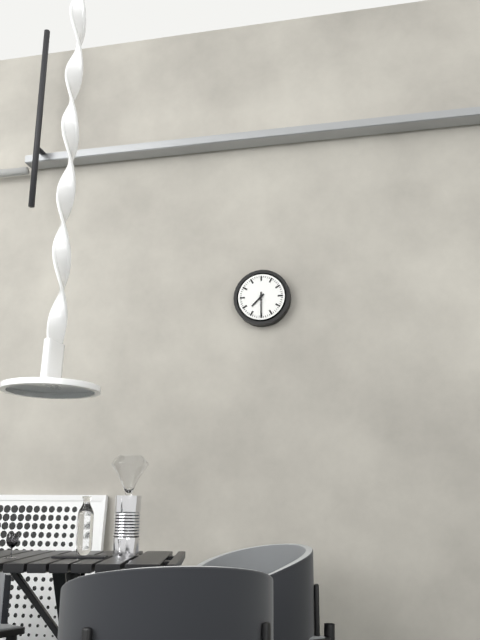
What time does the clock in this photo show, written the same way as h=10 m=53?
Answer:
h=7 m=30
